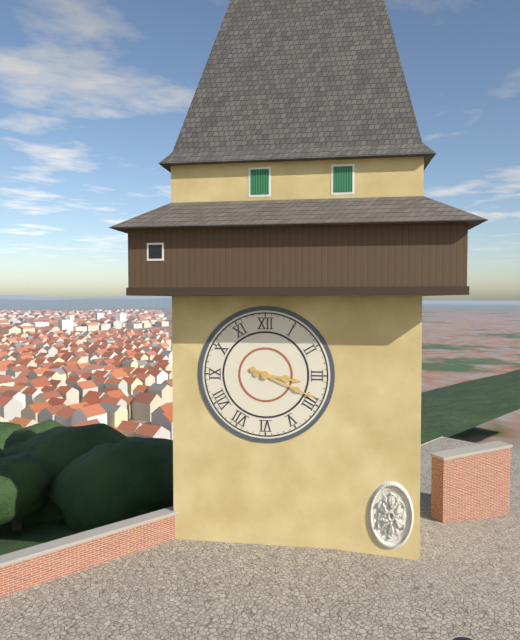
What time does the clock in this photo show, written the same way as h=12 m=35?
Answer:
h=3 m=19
